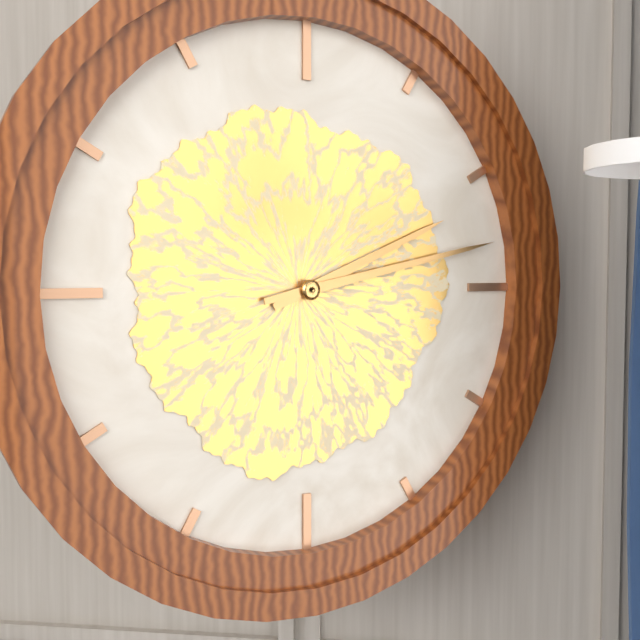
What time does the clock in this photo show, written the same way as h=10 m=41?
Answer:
h=2 m=13
